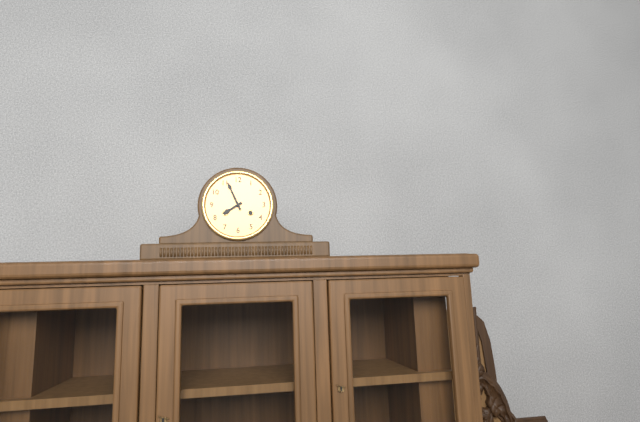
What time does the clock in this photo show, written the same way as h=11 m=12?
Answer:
h=7 m=56
